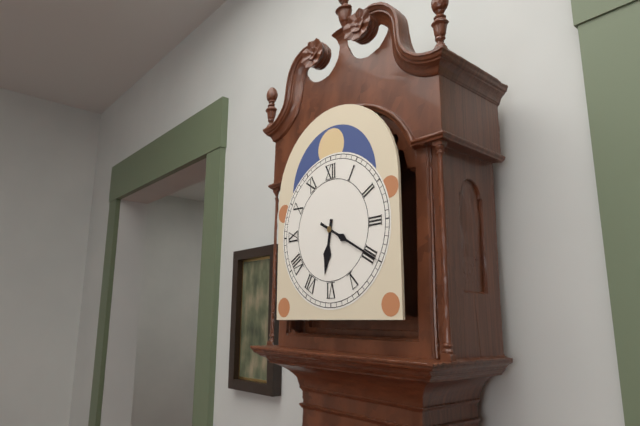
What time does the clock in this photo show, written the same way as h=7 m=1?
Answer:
h=6 m=20
